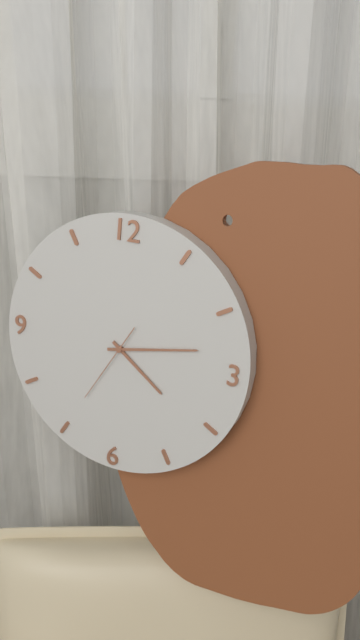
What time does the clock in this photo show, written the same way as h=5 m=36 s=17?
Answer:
h=4 m=13 s=35
